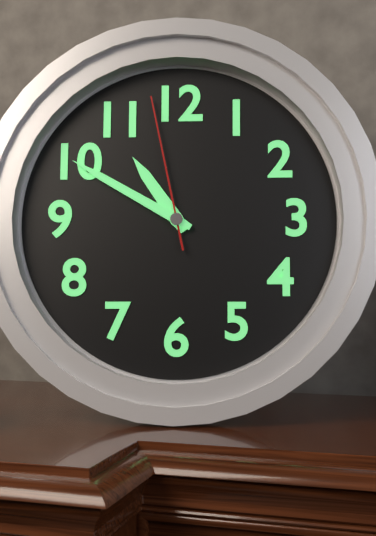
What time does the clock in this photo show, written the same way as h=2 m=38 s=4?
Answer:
h=10 m=50 s=58
